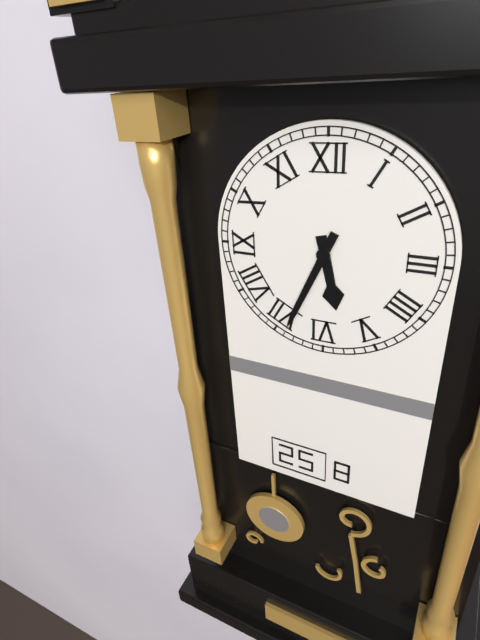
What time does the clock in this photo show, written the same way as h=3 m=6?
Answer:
h=5 m=34
